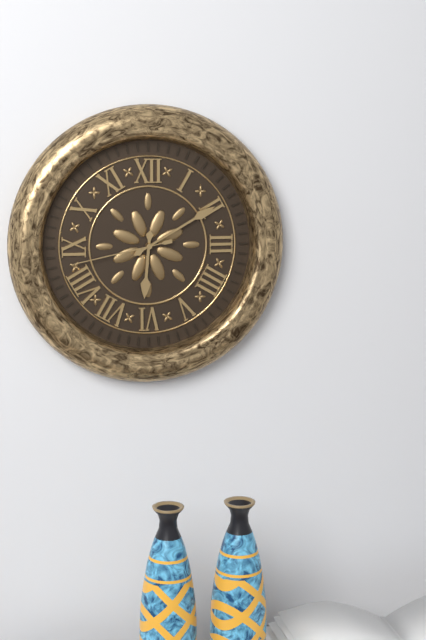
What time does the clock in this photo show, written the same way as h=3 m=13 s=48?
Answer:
h=6 m=10 s=43
